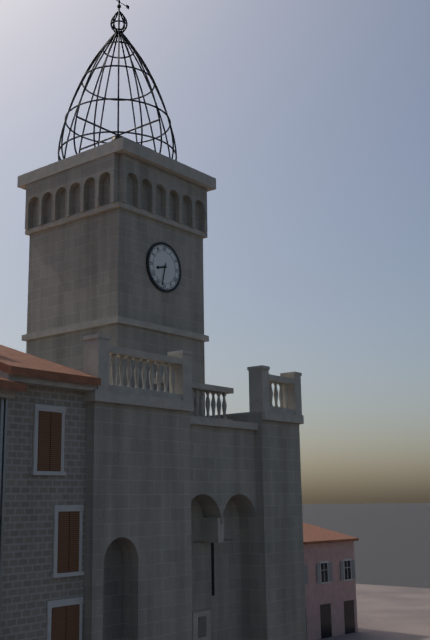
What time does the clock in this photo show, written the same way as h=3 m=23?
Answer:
h=8 m=32
